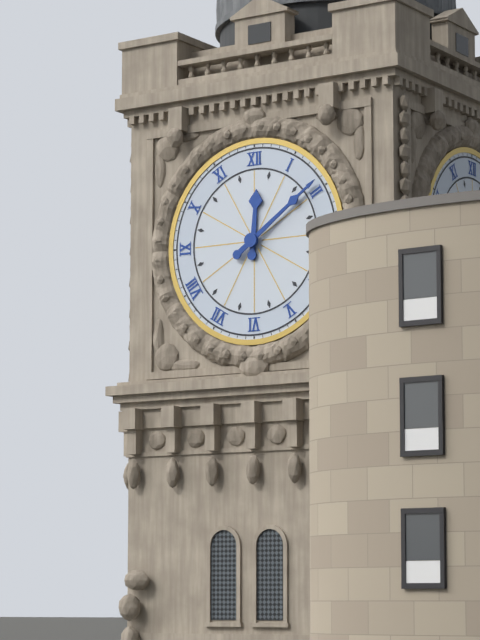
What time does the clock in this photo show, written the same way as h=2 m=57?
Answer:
h=12 m=9
